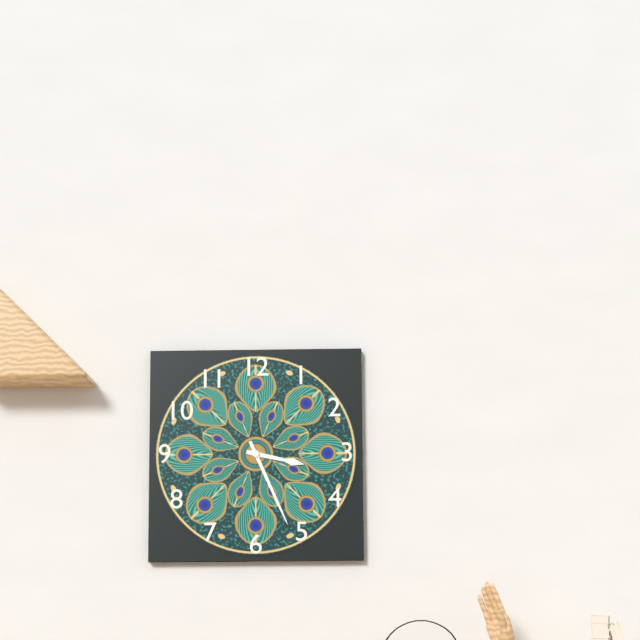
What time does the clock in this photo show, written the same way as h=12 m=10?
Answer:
h=3 m=26
